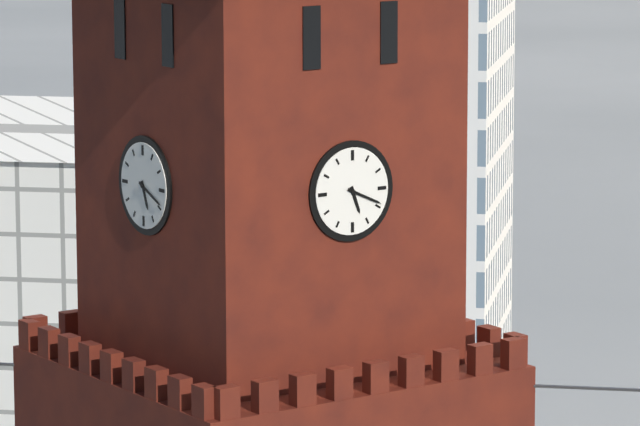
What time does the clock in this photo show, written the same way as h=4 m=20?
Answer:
h=5 m=19
